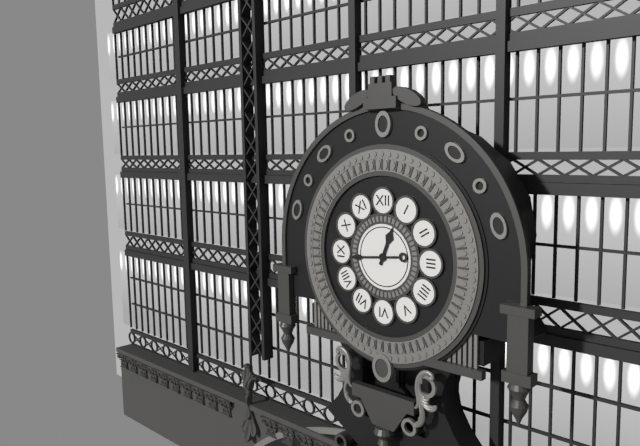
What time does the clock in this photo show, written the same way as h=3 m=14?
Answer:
h=12 m=44
